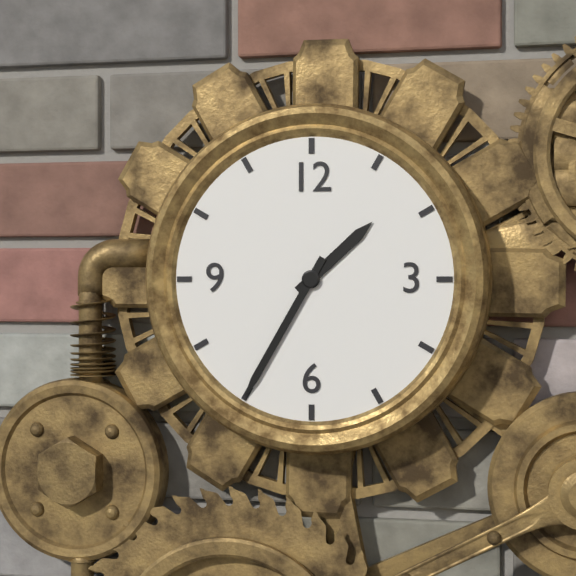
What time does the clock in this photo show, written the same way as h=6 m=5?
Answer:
h=1 m=35
